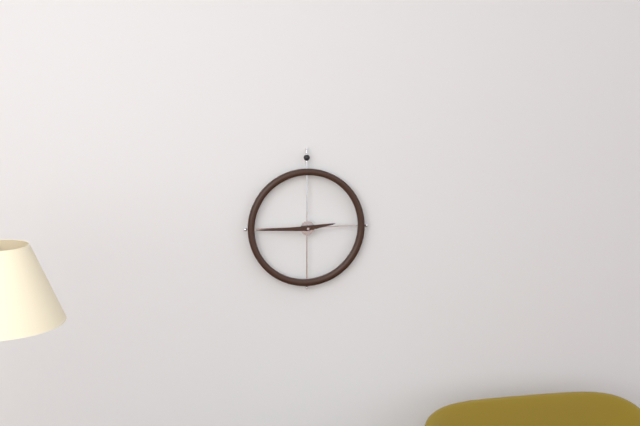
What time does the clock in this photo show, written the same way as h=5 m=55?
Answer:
h=2 m=45
